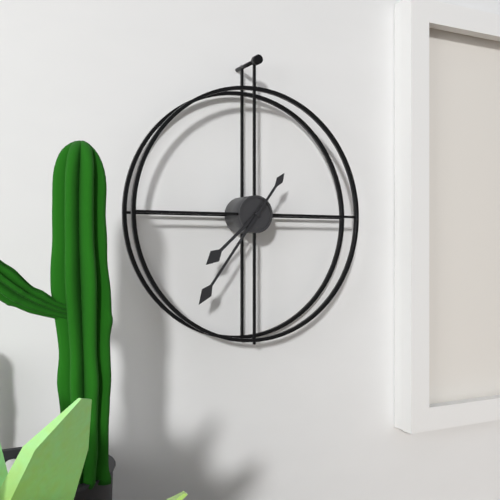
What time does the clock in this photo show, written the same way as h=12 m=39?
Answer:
h=7 m=36
